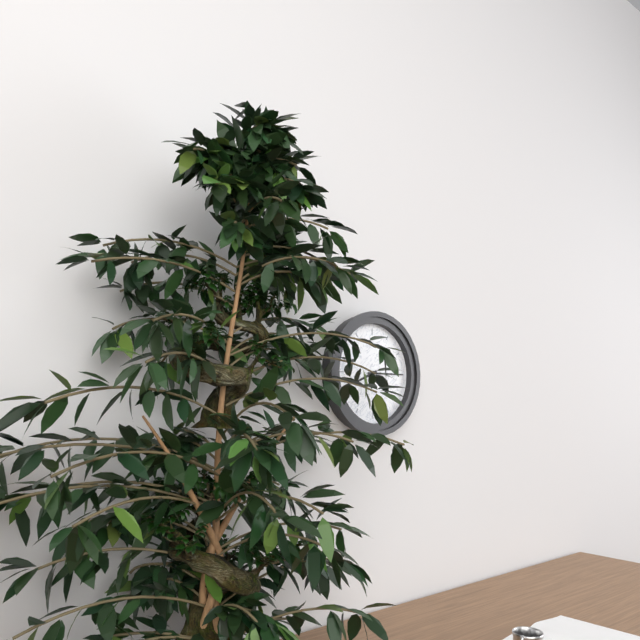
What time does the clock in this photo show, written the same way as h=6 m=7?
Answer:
h=8 m=15
